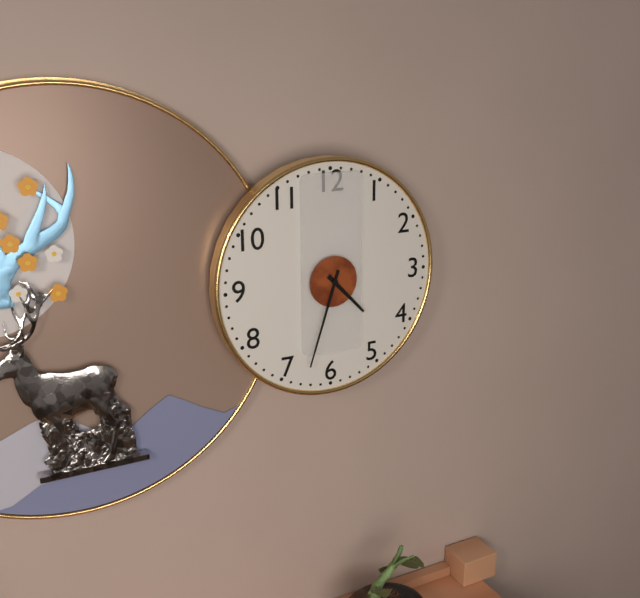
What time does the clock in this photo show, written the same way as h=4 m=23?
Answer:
h=4 m=33
